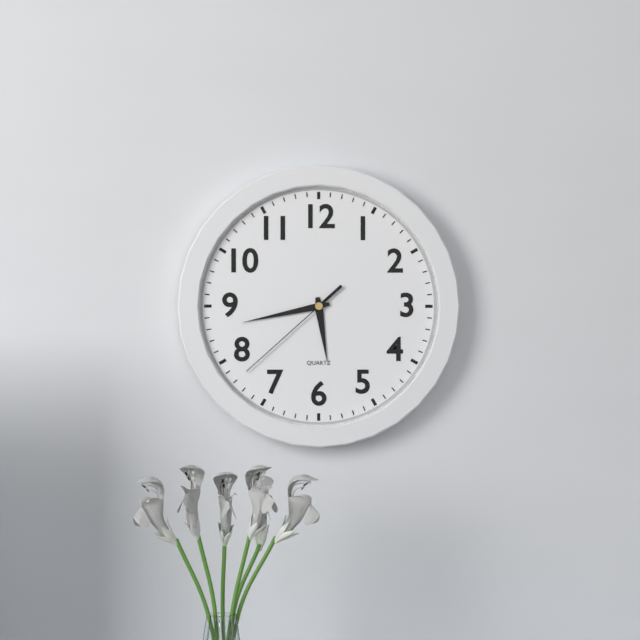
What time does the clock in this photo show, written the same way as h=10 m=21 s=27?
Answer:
h=5 m=43 s=38
